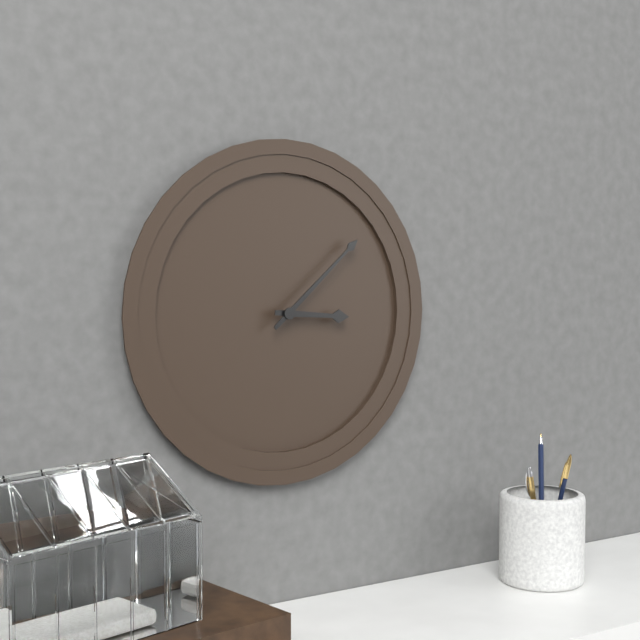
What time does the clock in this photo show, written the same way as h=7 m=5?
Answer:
h=3 m=8
